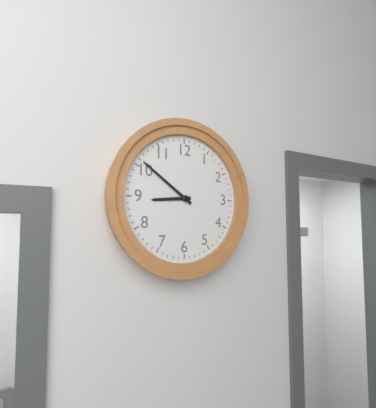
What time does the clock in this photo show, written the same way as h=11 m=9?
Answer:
h=8 m=51
